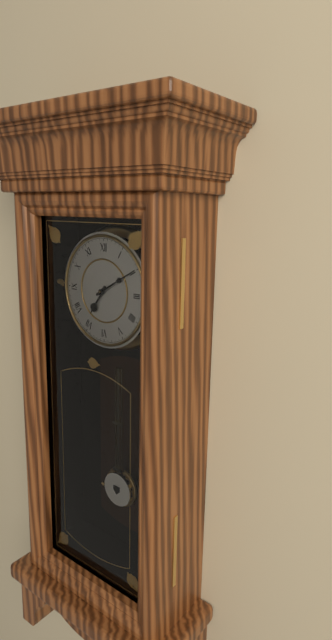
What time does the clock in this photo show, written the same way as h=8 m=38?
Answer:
h=7 m=10
